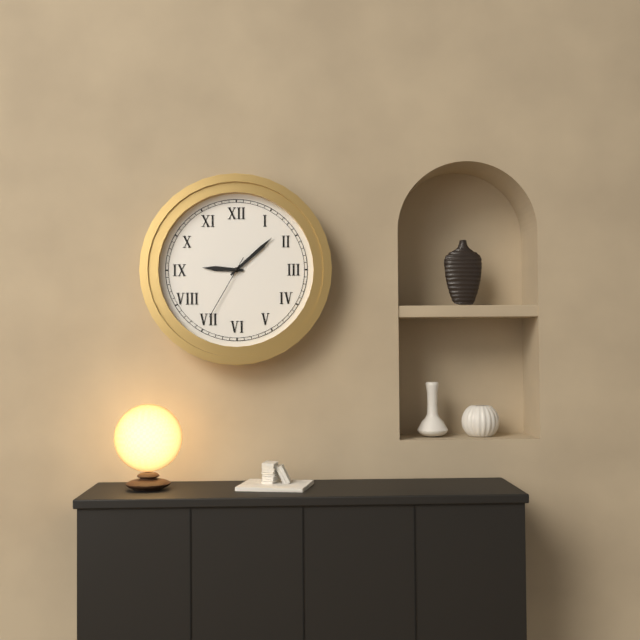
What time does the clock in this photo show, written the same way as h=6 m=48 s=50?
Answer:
h=9 m=8 s=35
